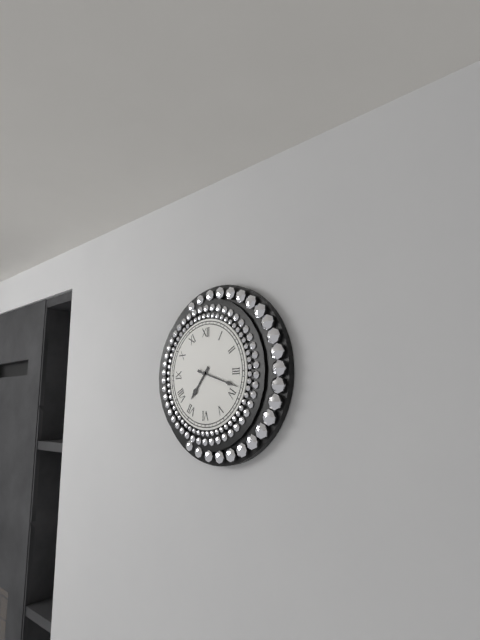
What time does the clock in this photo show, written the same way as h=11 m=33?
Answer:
h=7 m=18
